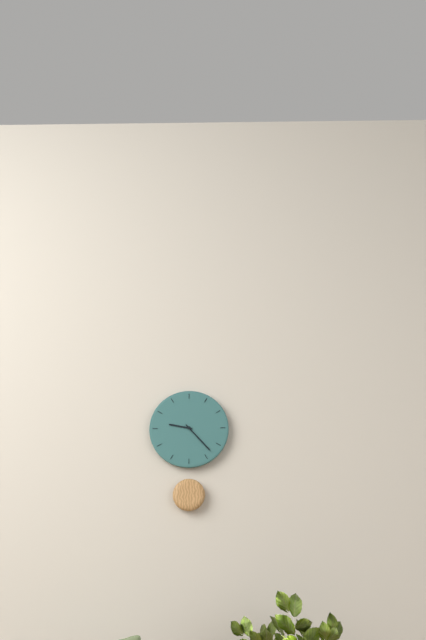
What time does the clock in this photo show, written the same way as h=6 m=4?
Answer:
h=9 m=23
